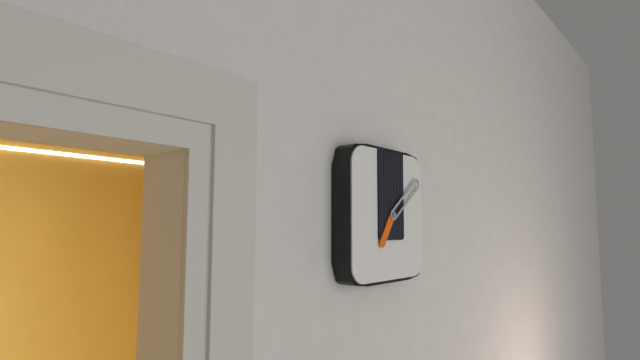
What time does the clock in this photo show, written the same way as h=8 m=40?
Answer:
h=7 m=9
